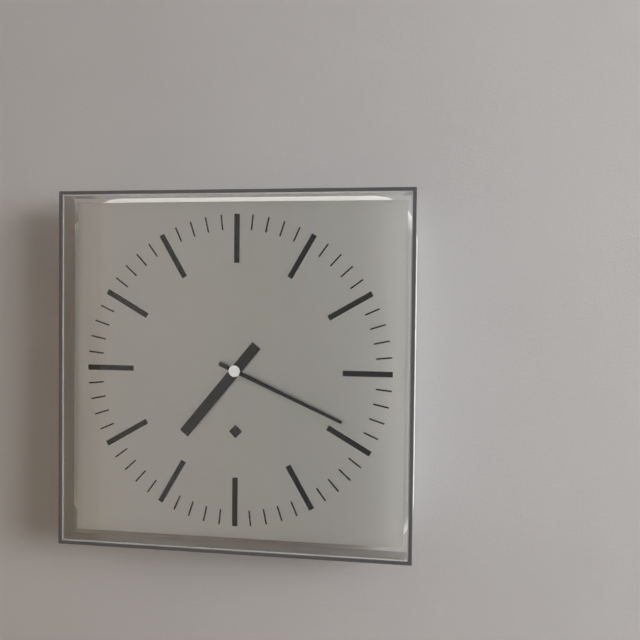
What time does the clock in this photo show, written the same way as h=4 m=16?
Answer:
h=7 m=19
